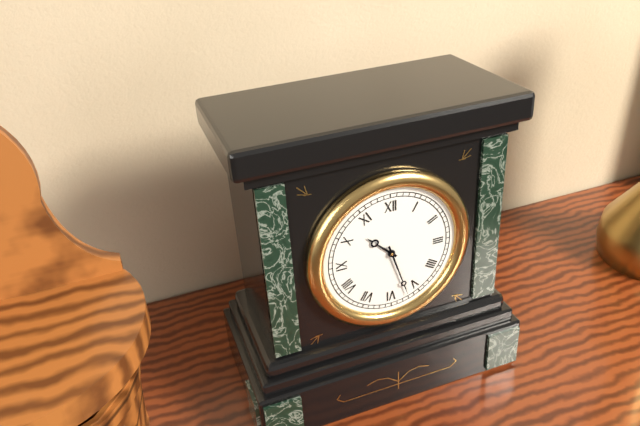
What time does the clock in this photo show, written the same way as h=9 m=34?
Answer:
h=10 m=27
